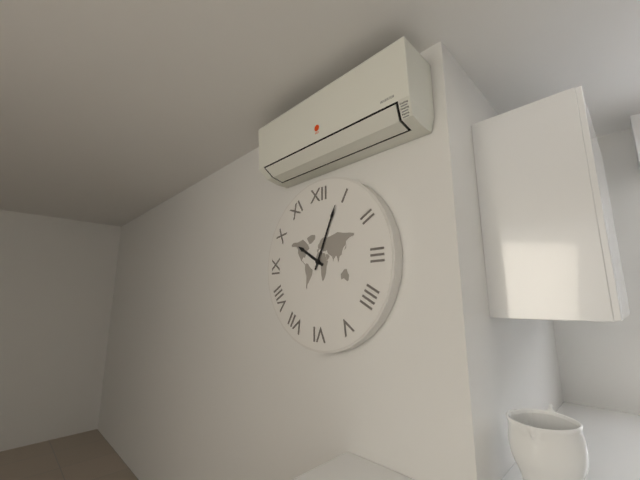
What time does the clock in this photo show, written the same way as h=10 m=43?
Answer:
h=10 m=4
